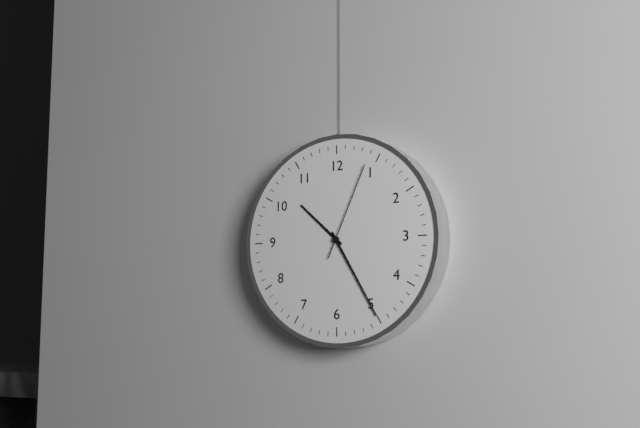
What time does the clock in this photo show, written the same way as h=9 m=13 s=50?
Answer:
h=10 m=25 s=4
